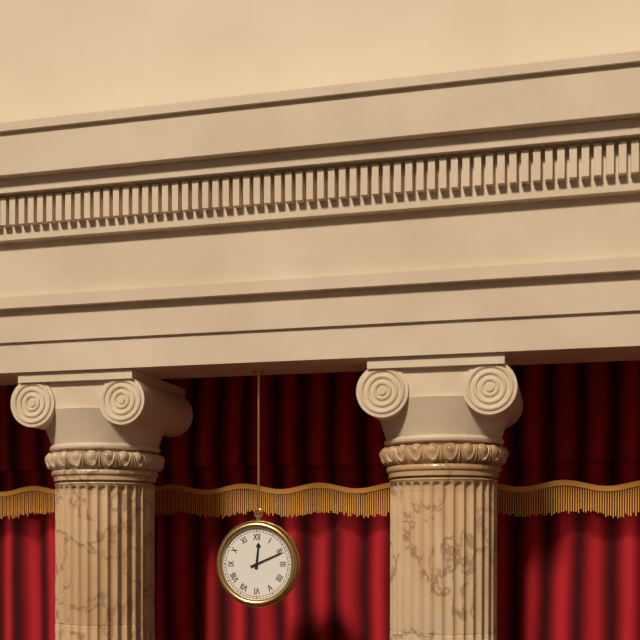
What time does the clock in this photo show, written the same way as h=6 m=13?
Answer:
h=12 m=11
